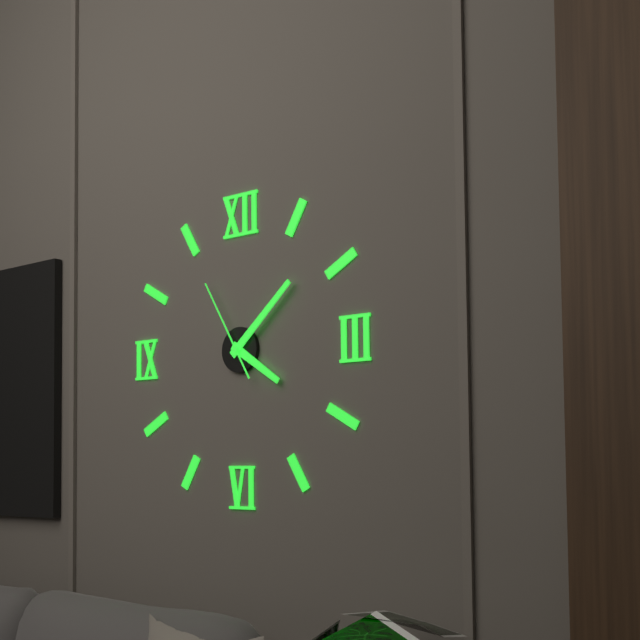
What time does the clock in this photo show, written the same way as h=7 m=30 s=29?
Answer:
h=4 m=8 s=55
